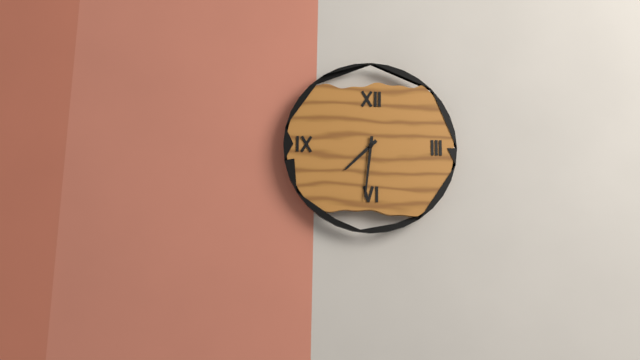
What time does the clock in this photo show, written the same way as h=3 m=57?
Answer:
h=7 m=31
